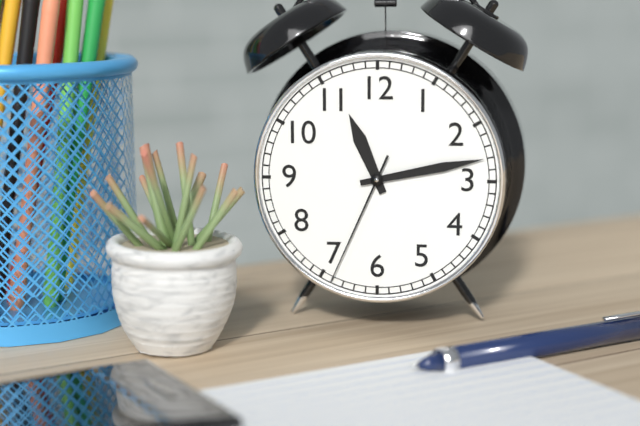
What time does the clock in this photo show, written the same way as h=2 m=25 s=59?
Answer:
h=11 m=13 s=34
